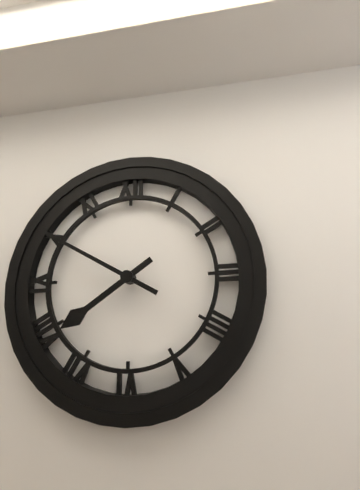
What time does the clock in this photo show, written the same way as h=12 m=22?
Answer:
h=7 m=50
